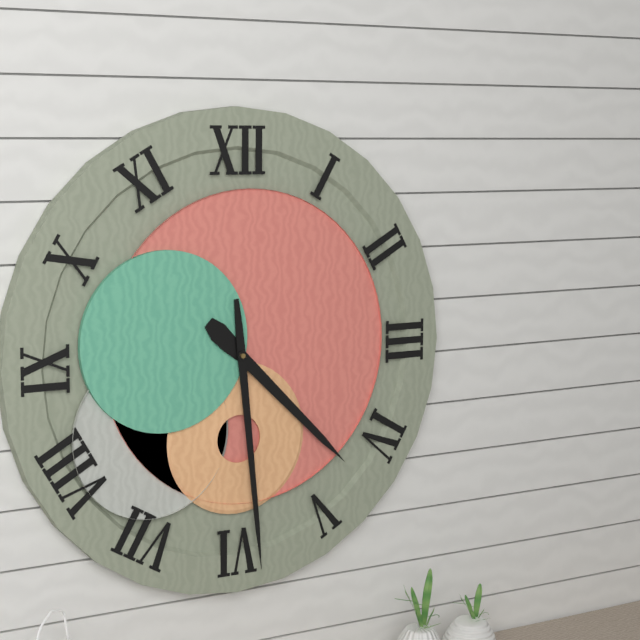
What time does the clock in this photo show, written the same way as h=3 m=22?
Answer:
h=4 m=29
